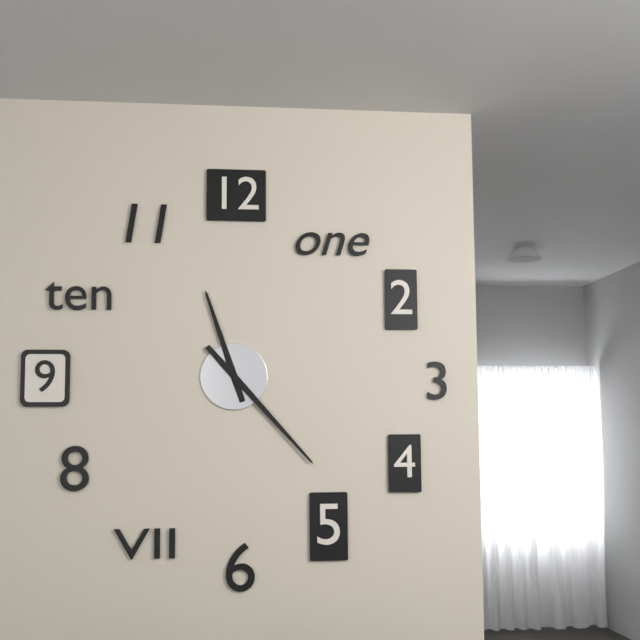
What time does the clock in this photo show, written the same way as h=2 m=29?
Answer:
h=11 m=23
